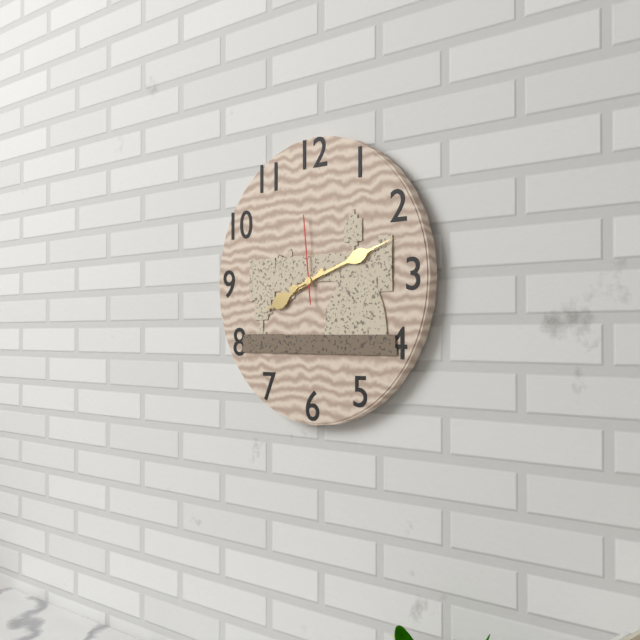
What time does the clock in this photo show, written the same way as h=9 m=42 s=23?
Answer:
h=8 m=12 s=59
